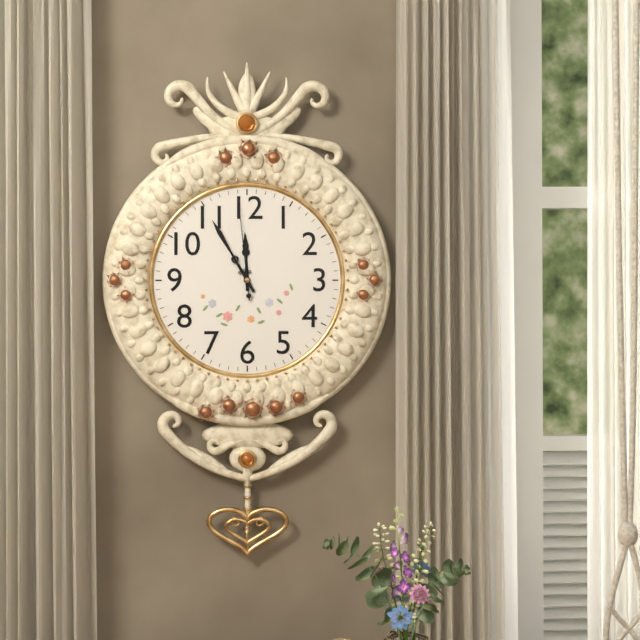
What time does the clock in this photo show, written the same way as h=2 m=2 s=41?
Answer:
h=11 m=55 s=59
